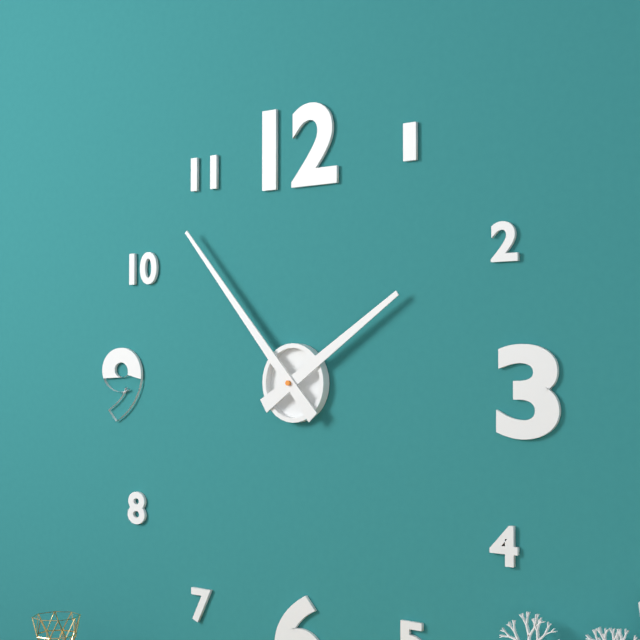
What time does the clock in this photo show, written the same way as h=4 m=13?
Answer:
h=1 m=53
